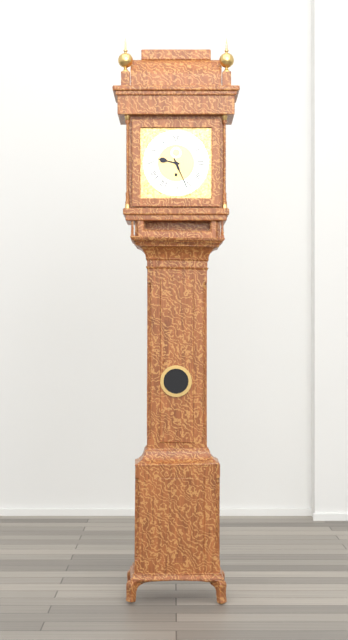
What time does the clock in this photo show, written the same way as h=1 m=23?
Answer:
h=9 m=26
